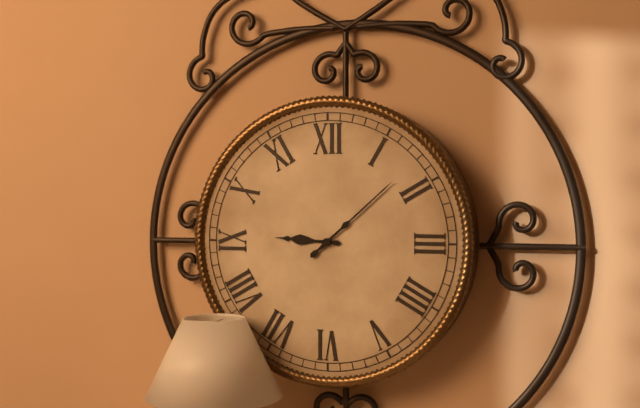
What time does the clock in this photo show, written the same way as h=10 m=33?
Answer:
h=9 m=8
